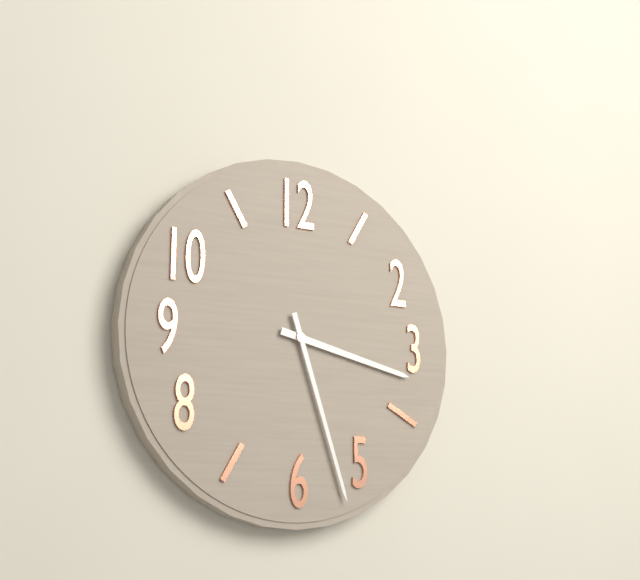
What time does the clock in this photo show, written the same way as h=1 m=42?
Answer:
h=3 m=27
